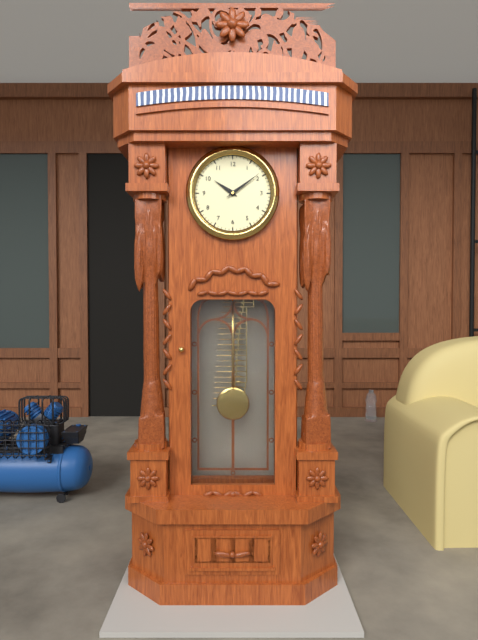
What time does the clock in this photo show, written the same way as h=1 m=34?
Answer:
h=10 m=9
